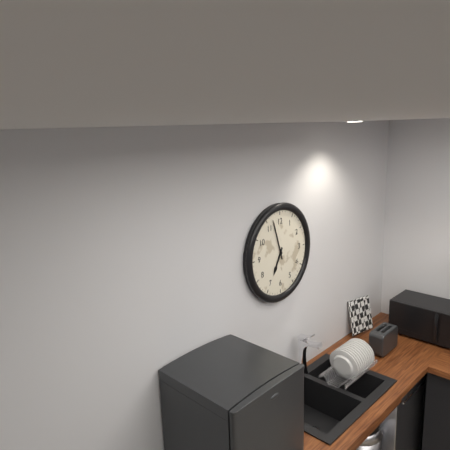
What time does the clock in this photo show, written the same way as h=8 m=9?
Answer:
h=6 m=57
